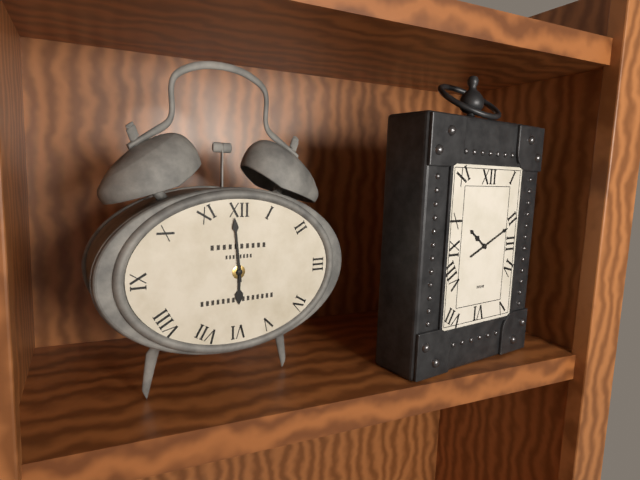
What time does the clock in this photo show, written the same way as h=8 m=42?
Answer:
h=5 m=59
